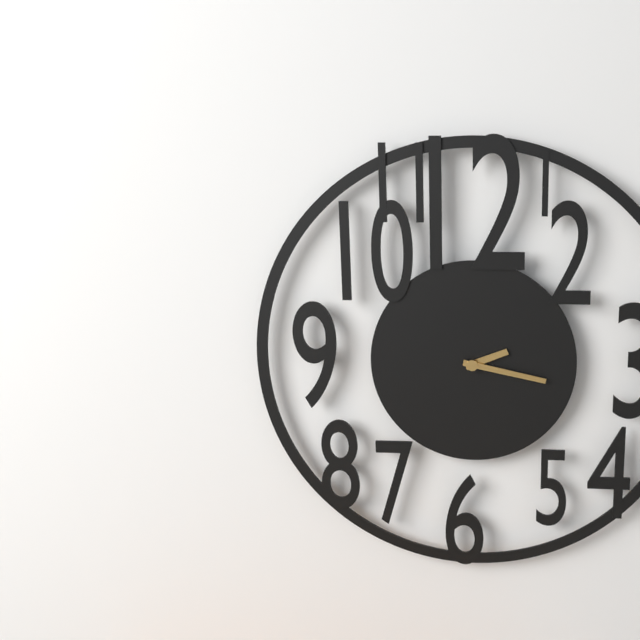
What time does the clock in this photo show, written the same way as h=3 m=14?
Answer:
h=2 m=17
